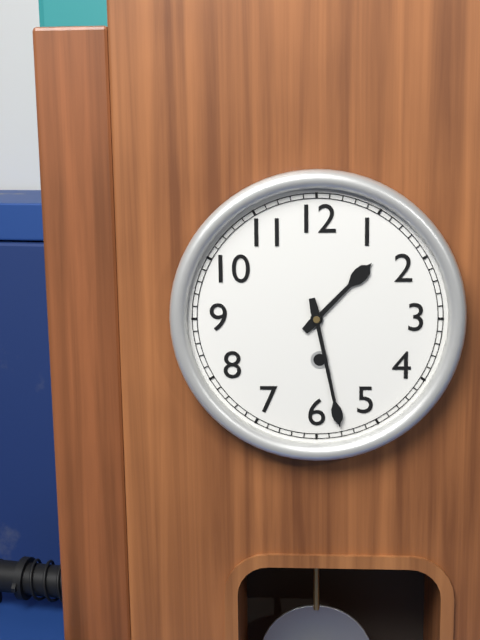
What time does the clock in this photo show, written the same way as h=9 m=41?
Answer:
h=1 m=28
